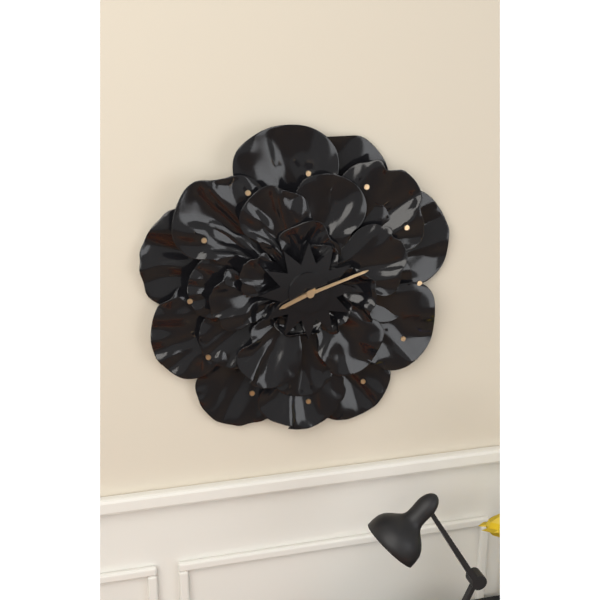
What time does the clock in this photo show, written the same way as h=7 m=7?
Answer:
h=8 m=12
